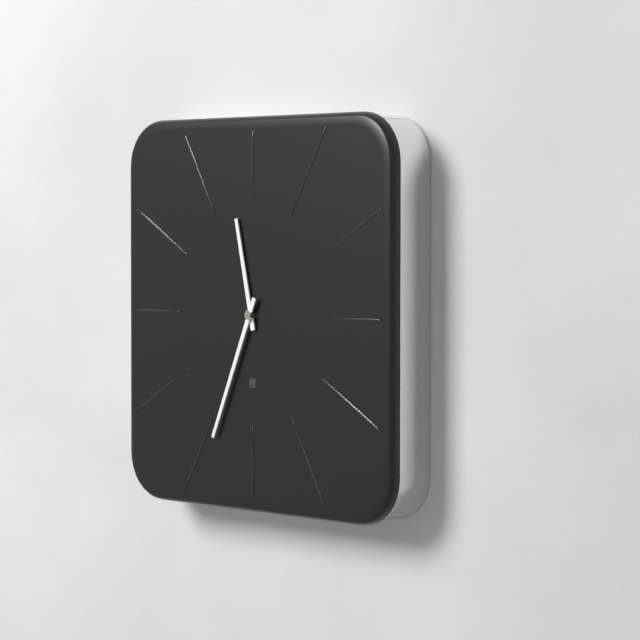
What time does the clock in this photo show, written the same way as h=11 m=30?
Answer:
h=11 m=34
